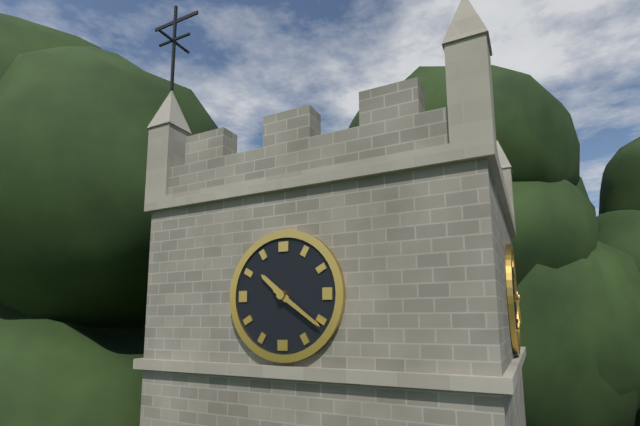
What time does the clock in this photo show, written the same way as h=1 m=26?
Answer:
h=10 m=21
